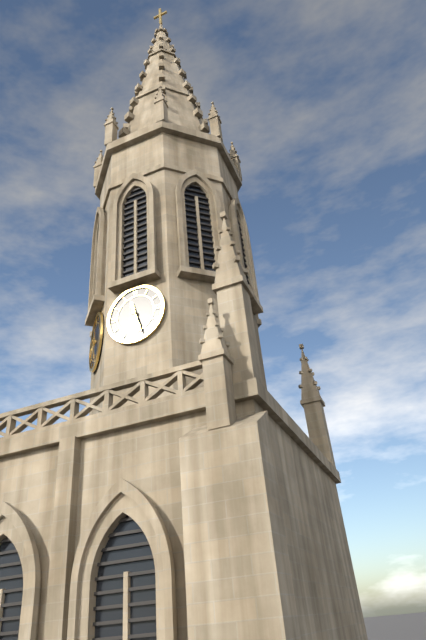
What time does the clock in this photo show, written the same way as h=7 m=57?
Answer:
h=11 m=27
